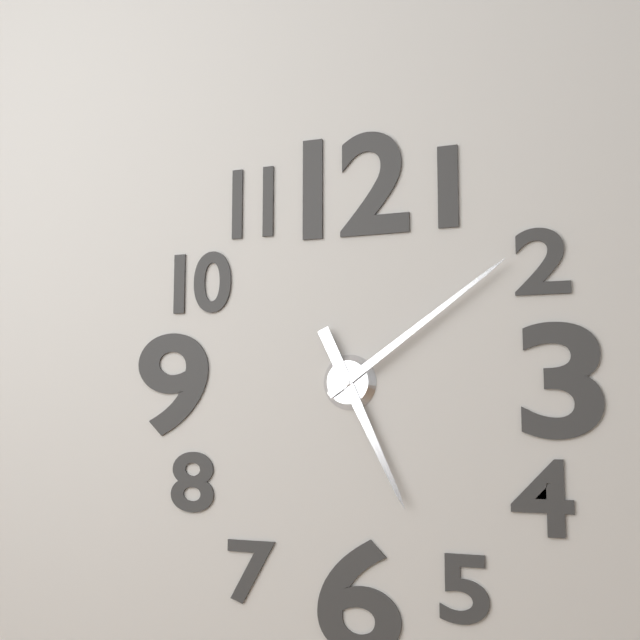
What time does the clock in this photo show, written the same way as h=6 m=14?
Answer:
h=5 m=9
